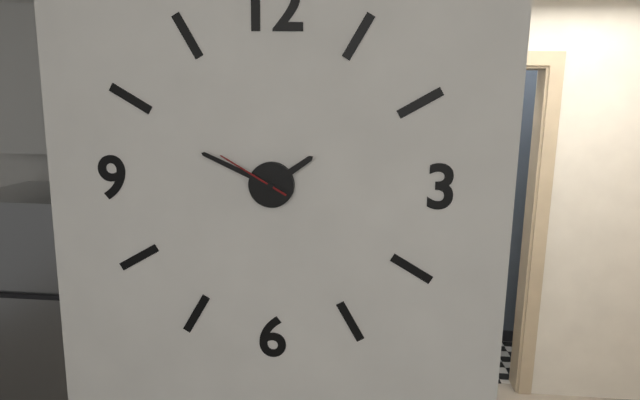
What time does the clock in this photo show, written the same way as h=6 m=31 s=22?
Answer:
h=1 m=49 s=50
